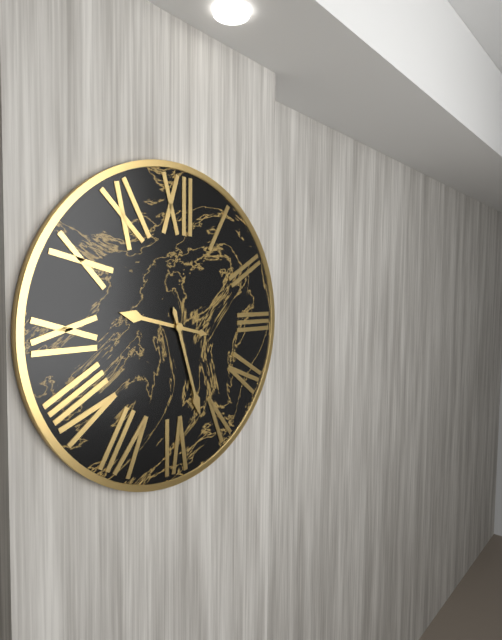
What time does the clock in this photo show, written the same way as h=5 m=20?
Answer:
h=9 m=27
